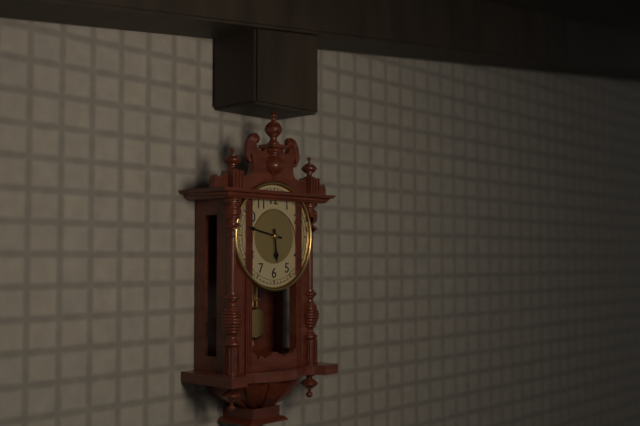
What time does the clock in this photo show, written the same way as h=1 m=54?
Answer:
h=5 m=47
